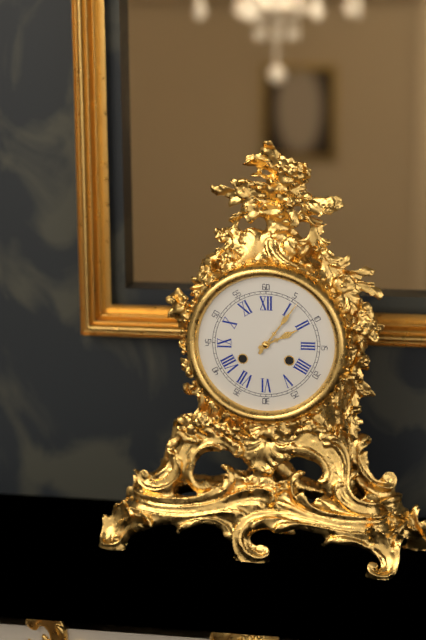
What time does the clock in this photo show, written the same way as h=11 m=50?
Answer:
h=2 m=6
